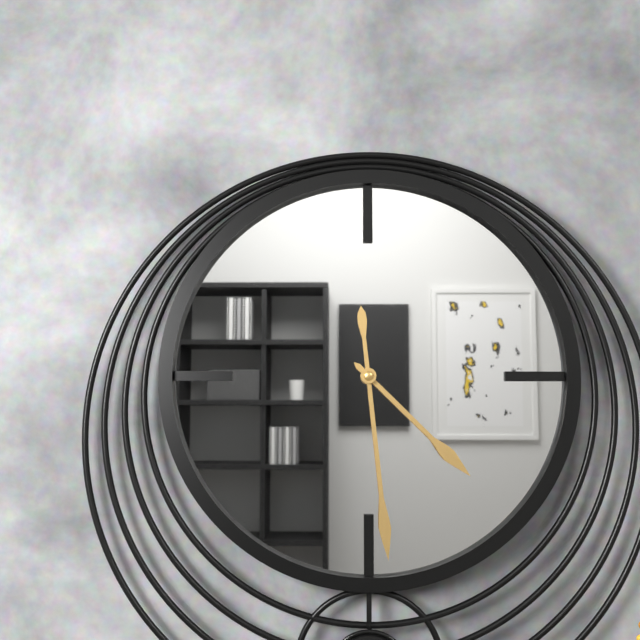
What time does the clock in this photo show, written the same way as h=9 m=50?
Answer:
h=4 m=29
